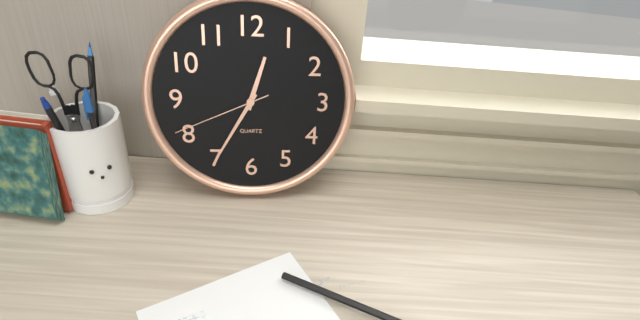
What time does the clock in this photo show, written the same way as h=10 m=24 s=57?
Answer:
h=12 m=35 s=41
